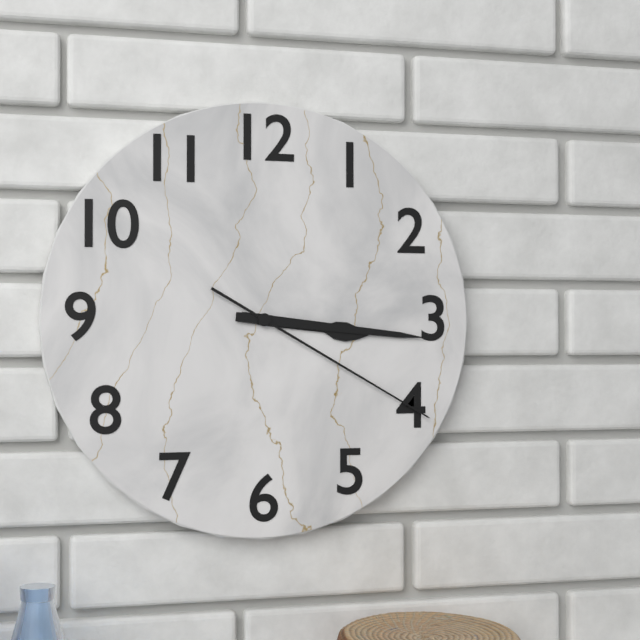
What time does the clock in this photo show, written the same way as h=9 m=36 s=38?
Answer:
h=3 m=16 s=20
